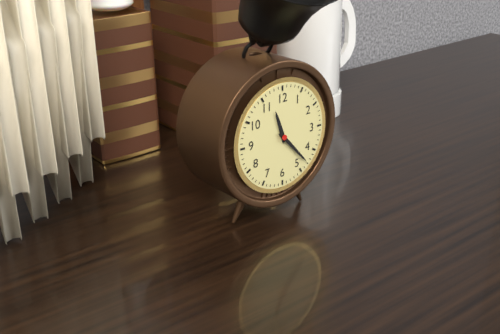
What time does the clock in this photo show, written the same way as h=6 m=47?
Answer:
h=11 m=23
